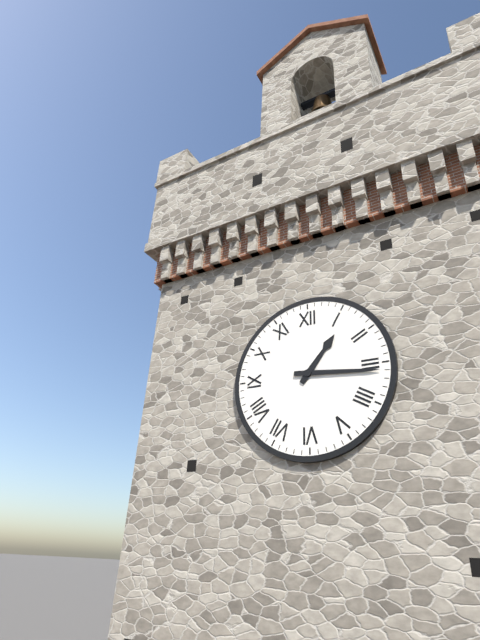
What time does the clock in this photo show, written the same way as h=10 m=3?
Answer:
h=1 m=16
